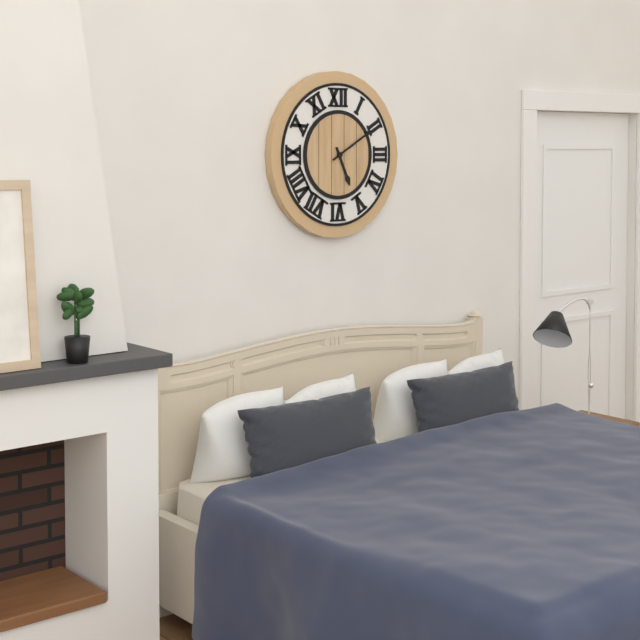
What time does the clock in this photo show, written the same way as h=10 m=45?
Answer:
h=5 m=10
